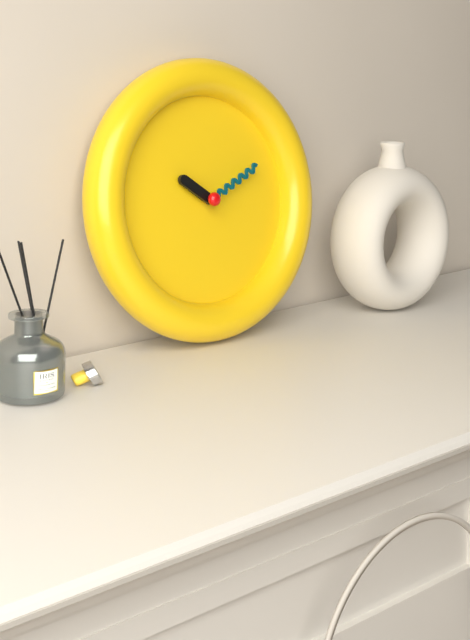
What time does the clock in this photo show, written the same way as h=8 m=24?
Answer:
h=10 m=11
